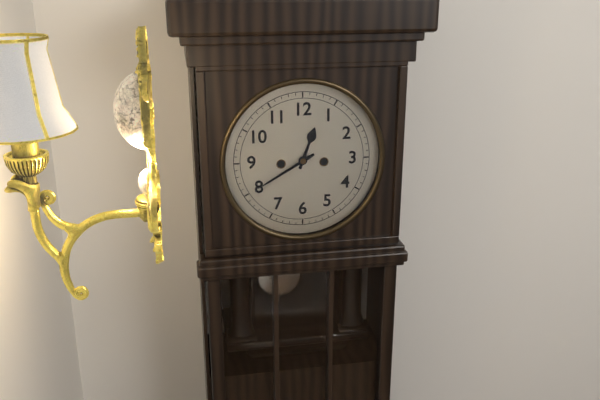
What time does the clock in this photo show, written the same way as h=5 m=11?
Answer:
h=12 m=40
